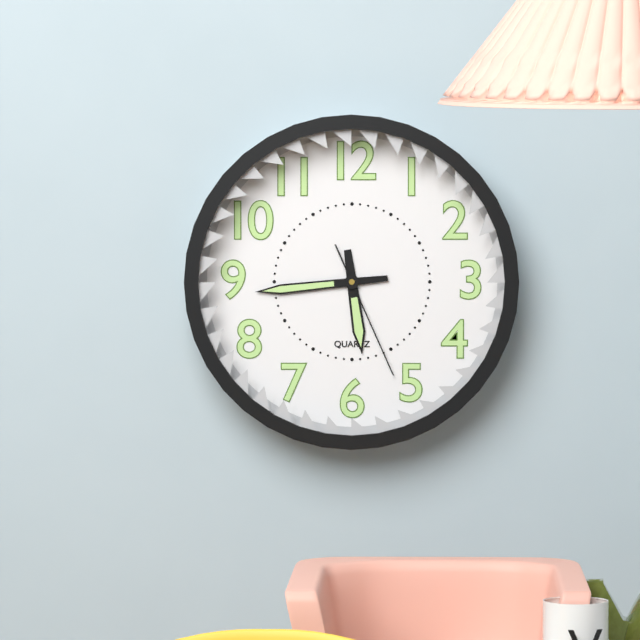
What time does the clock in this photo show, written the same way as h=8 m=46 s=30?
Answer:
h=5 m=44 s=26
